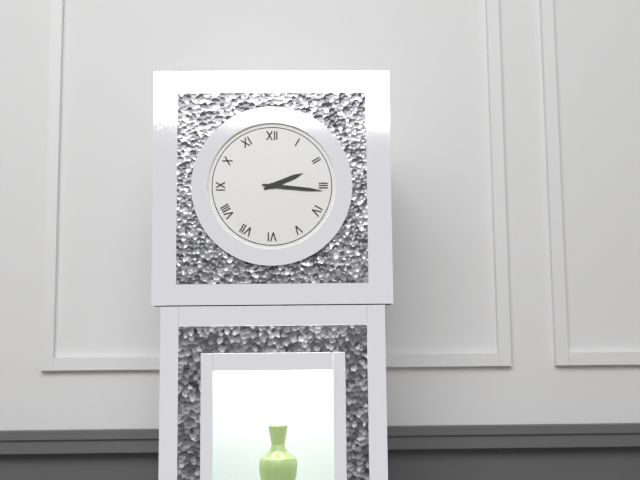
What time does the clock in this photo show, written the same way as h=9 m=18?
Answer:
h=2 m=16
